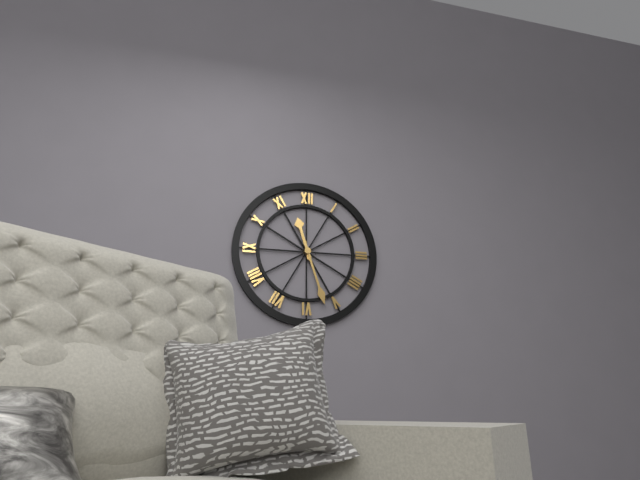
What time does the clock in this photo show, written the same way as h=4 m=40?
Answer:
h=11 m=27
